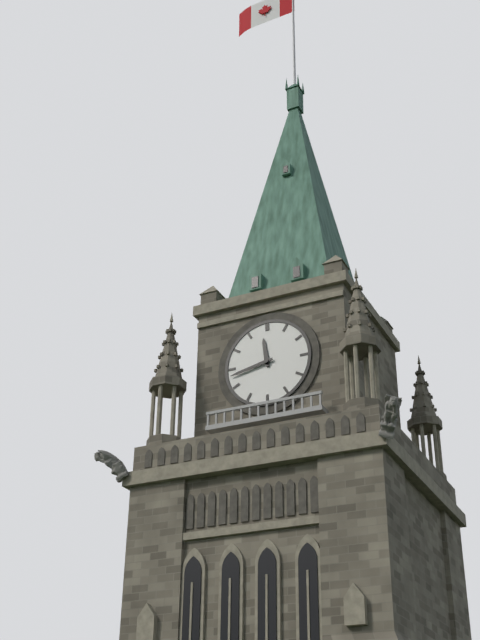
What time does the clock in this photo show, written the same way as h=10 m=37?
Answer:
h=11 m=43
